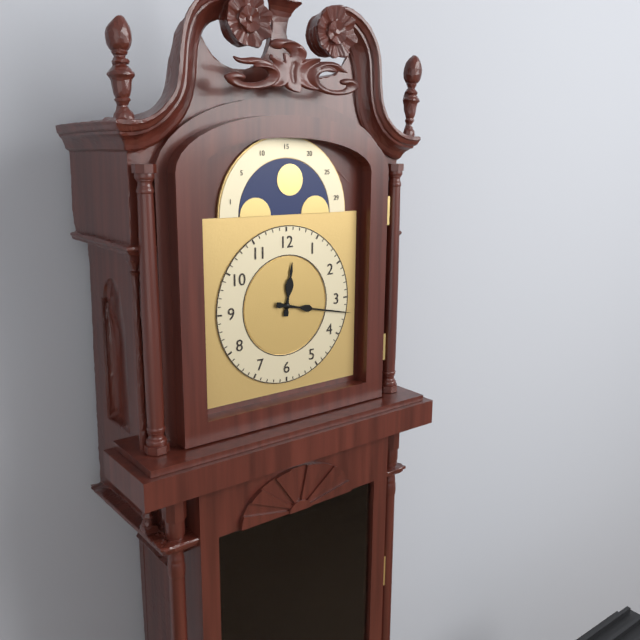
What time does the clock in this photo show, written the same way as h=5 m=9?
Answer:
h=12 m=17
